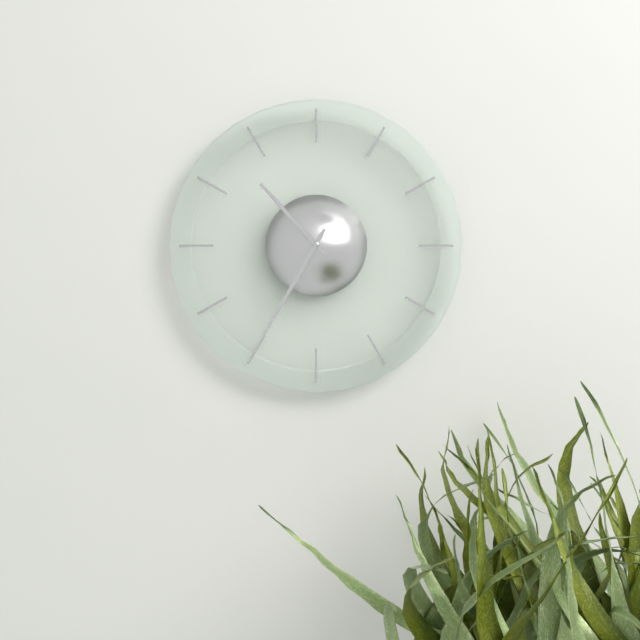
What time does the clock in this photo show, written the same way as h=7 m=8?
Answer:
h=10 m=35
